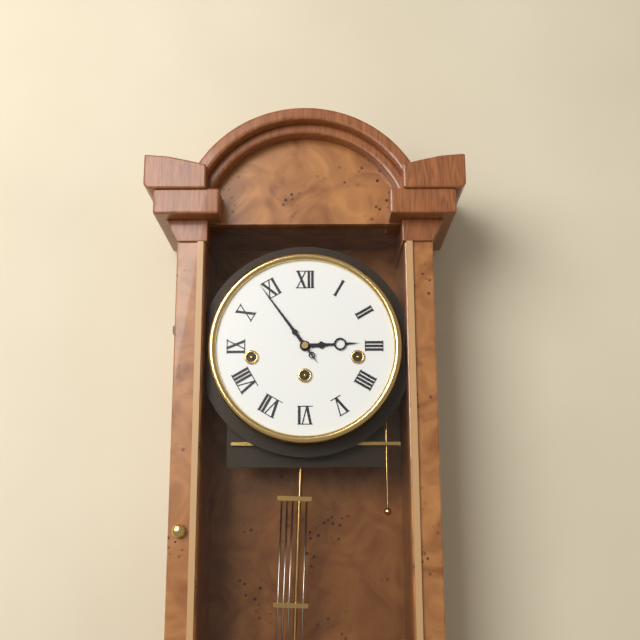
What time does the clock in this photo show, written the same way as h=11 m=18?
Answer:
h=2 m=54
